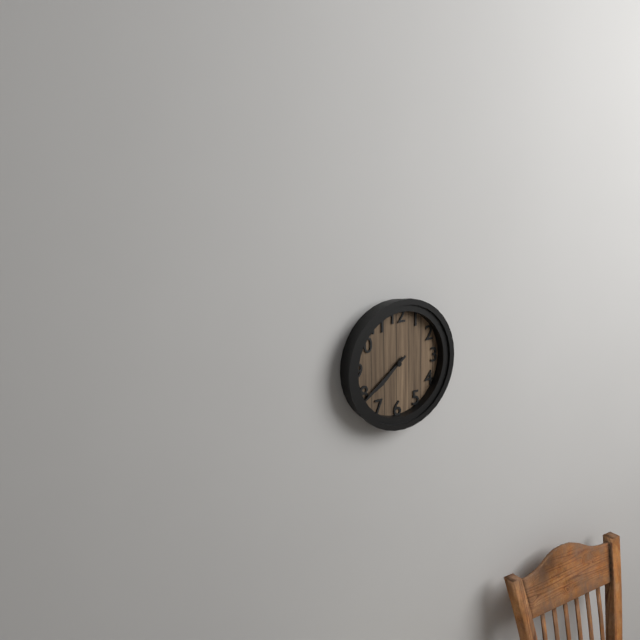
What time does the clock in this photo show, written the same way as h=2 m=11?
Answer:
h=7 m=39
